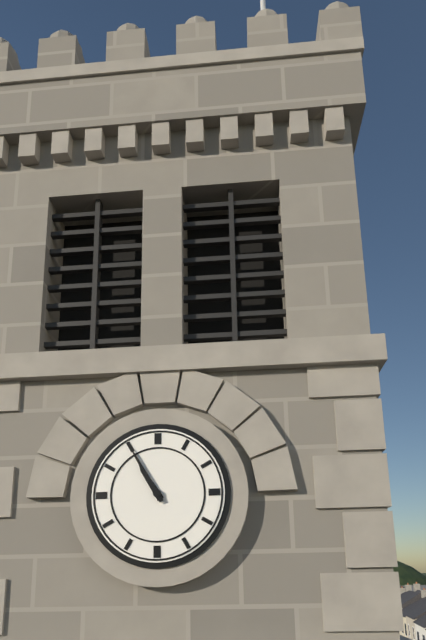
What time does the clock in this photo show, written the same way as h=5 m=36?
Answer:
h=10 m=55
